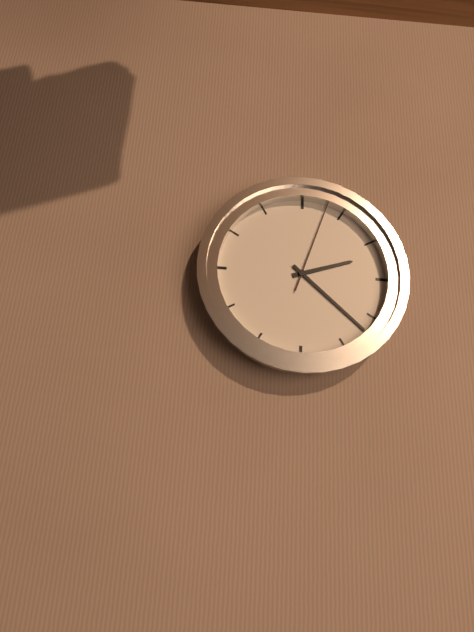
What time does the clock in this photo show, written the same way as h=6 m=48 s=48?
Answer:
h=2 m=22 s=3
